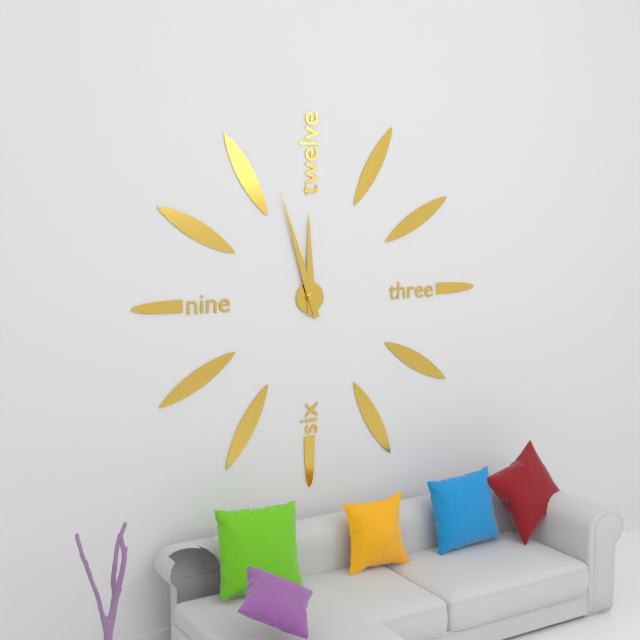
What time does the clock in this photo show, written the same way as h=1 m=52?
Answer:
h=11 m=57
